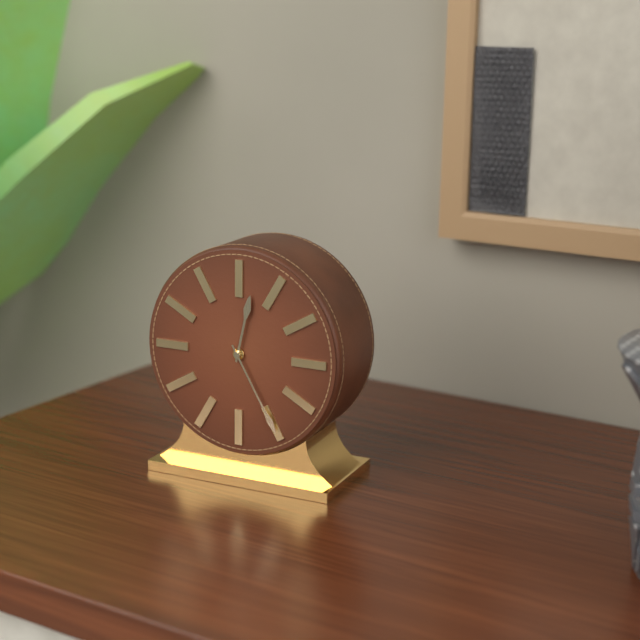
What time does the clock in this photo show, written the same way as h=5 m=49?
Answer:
h=12 m=25
